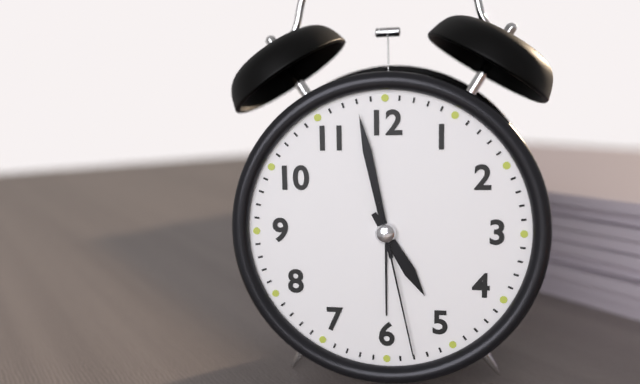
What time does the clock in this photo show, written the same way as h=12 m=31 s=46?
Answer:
h=4 m=58 s=28
